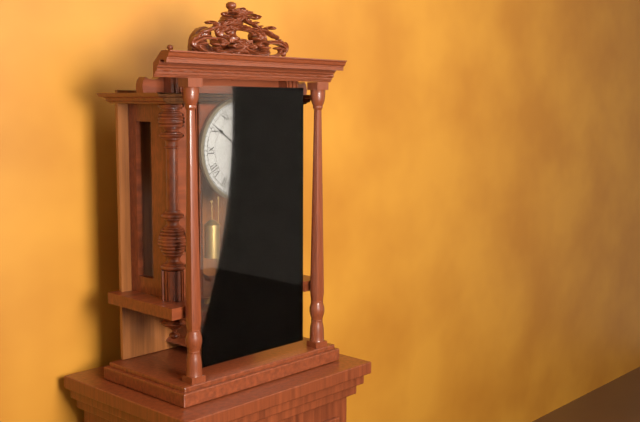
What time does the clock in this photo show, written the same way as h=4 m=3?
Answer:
h=4 m=51
